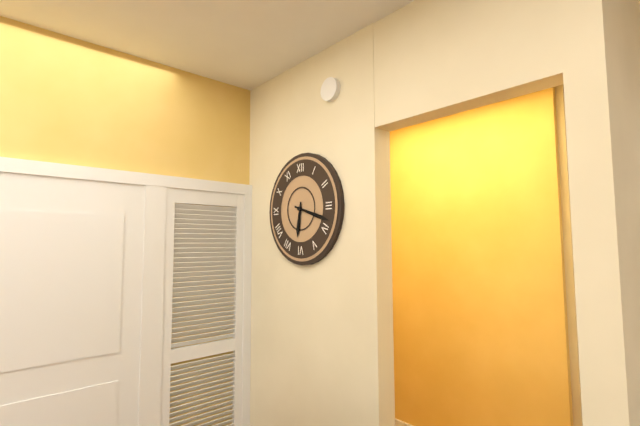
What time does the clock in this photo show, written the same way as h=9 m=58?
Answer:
h=6 m=18
